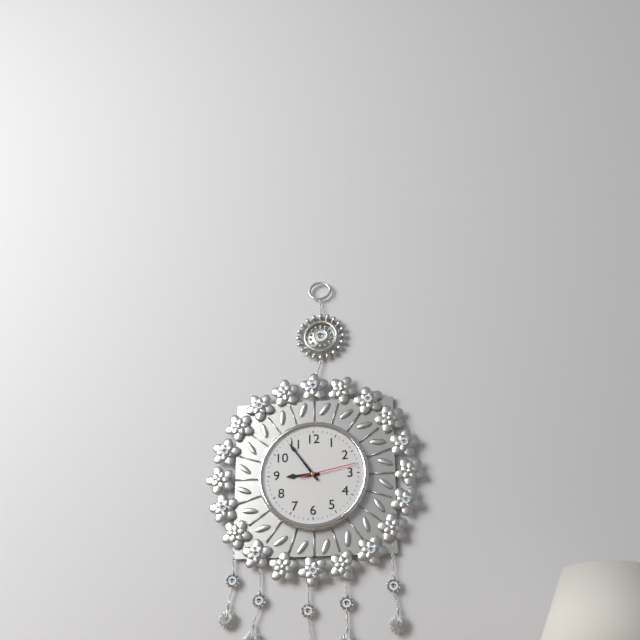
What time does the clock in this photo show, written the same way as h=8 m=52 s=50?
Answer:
h=8 m=54 s=13
